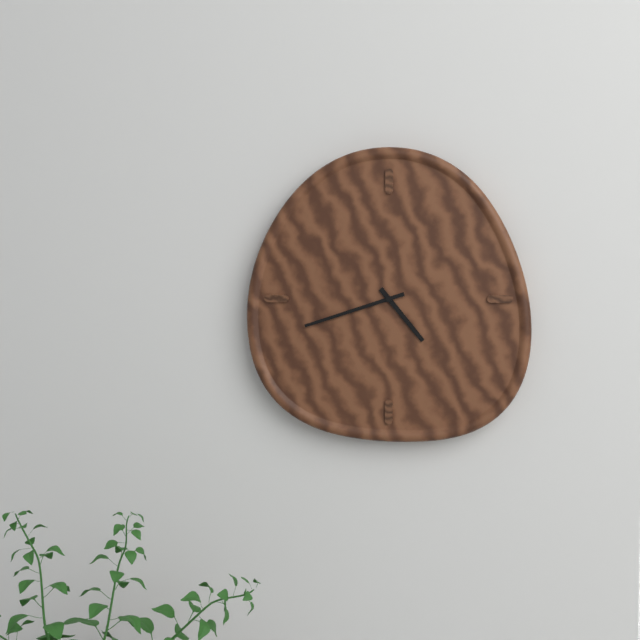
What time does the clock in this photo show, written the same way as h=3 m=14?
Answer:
h=4 m=42
